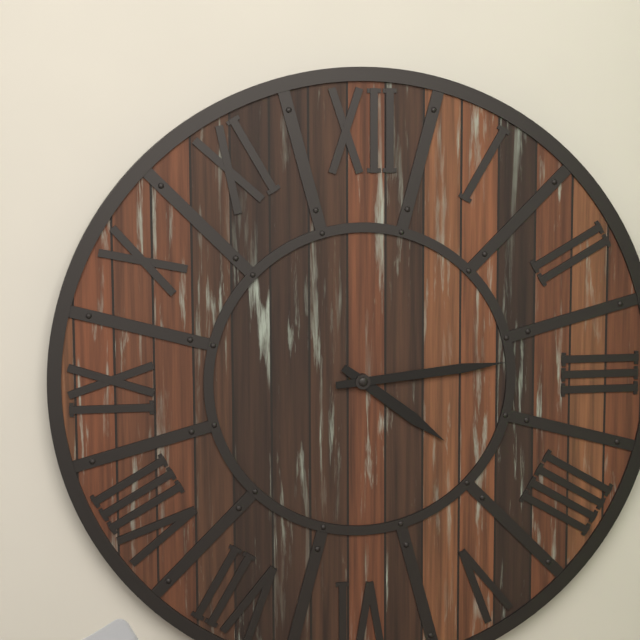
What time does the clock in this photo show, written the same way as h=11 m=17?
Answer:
h=4 m=14
